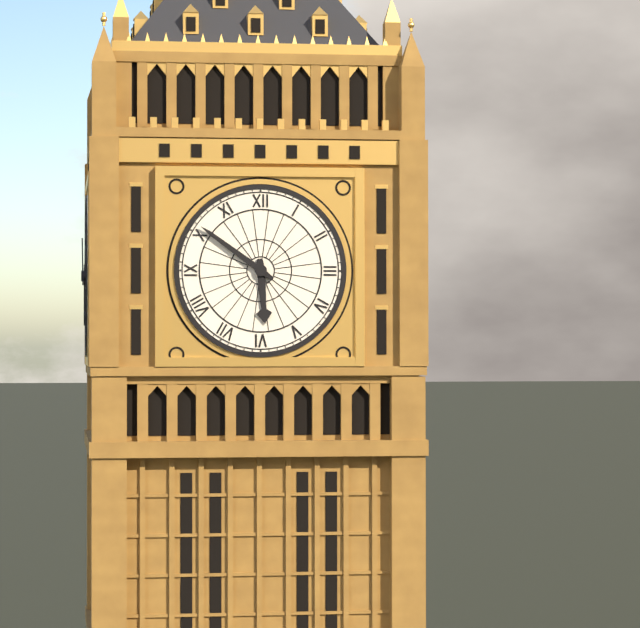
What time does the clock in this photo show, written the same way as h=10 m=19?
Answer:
h=5 m=51
